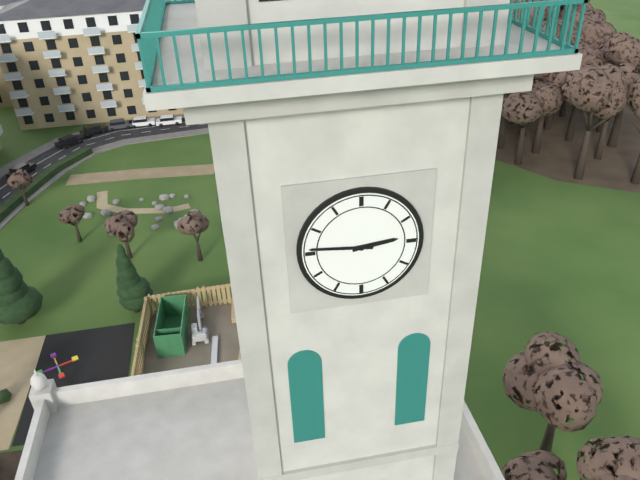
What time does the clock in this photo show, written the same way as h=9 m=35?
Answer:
h=2 m=46
